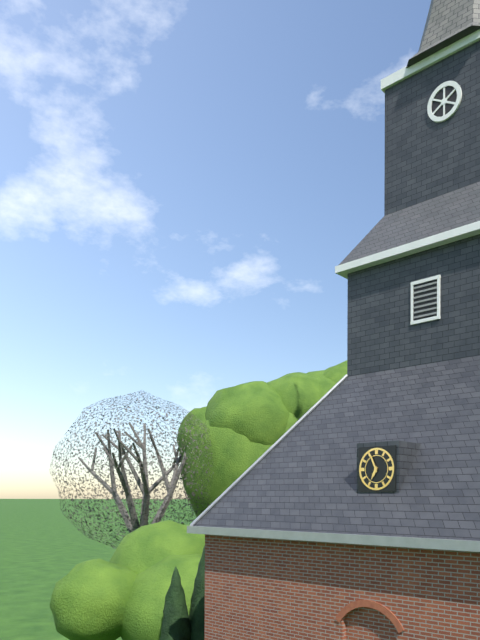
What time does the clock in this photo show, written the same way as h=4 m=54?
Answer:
h=6 m=56
